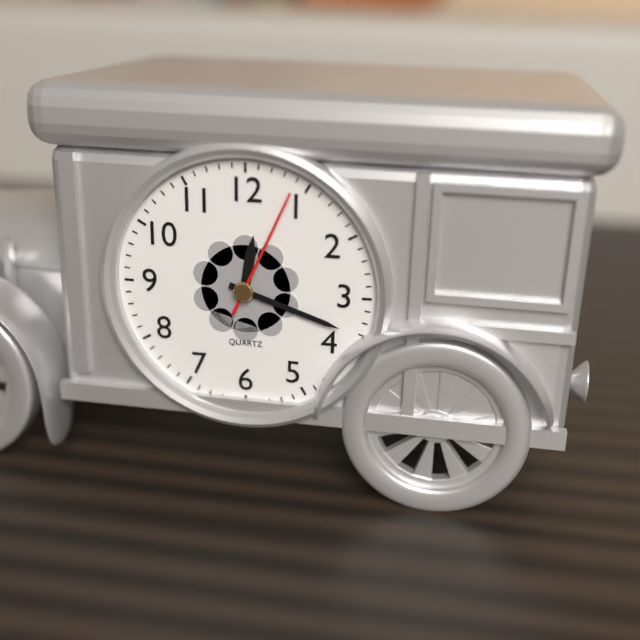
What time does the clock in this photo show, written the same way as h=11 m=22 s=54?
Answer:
h=12 m=18 s=4
